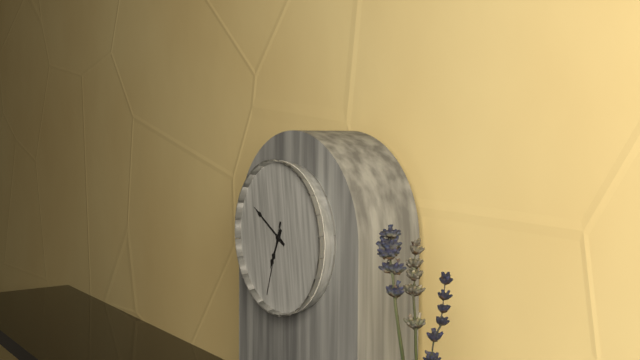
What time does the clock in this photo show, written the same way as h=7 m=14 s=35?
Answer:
h=6 m=50 s=33
